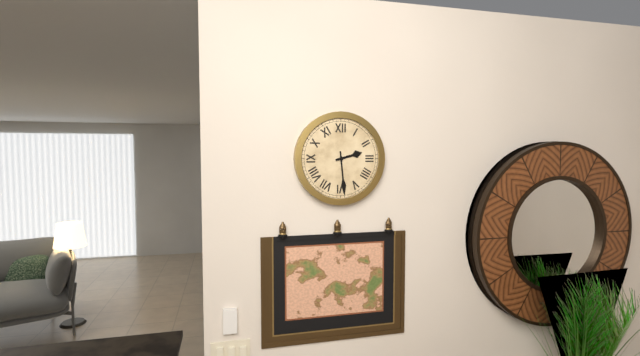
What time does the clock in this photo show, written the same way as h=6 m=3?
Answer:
h=2 m=29
